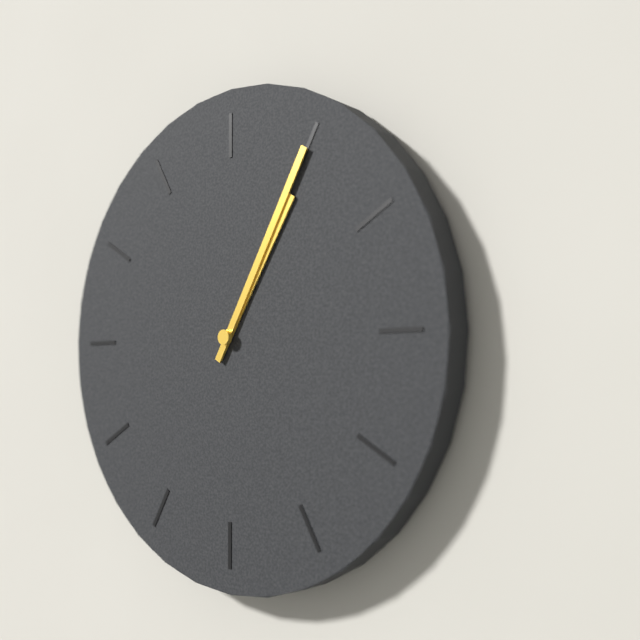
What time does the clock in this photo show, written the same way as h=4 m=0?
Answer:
h=1 m=5
